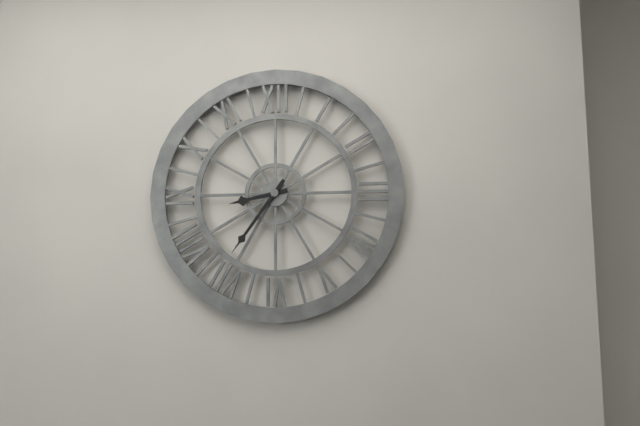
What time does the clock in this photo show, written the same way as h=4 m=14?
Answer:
h=8 m=36
